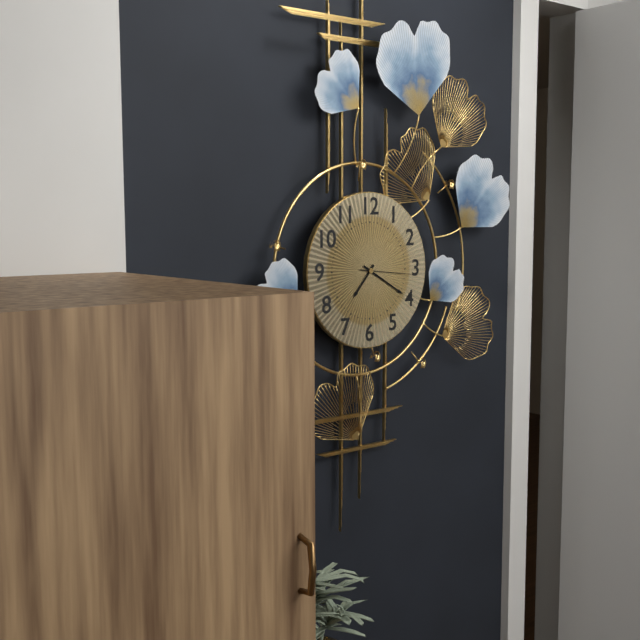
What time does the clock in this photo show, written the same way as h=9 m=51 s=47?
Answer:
h=7 m=20 s=16
